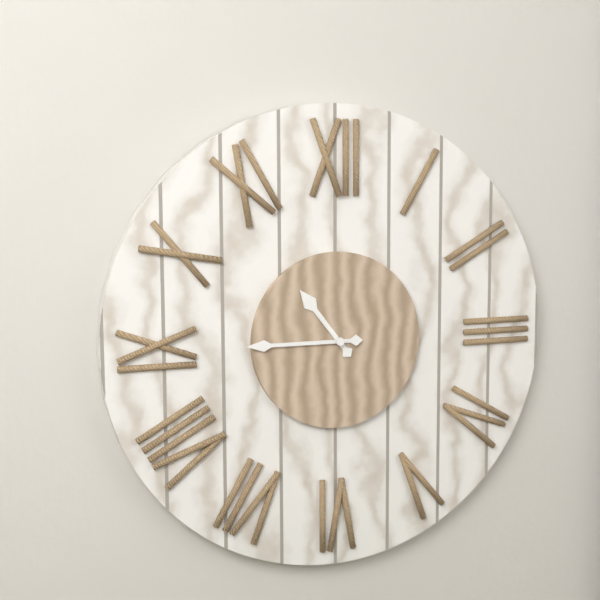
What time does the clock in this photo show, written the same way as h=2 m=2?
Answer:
h=10 m=45
